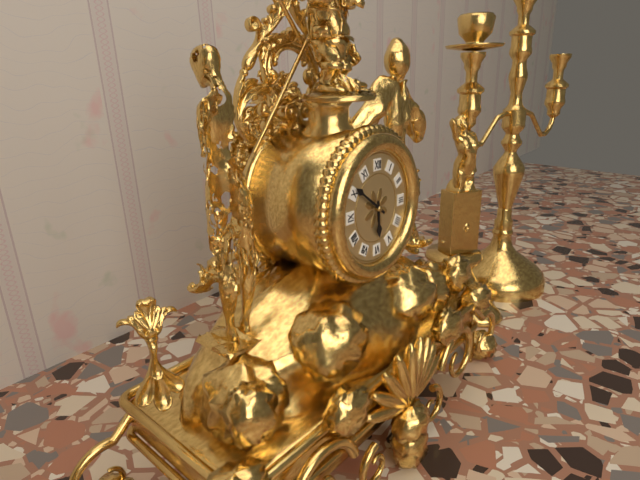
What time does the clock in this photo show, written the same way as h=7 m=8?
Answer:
h=5 m=51
